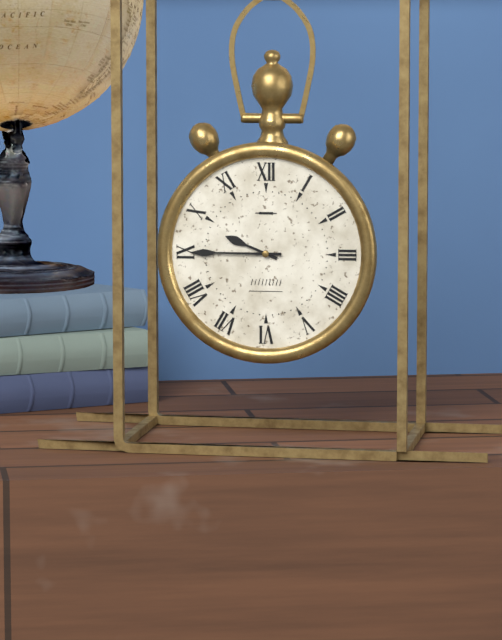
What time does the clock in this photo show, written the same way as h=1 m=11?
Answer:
h=9 m=45
